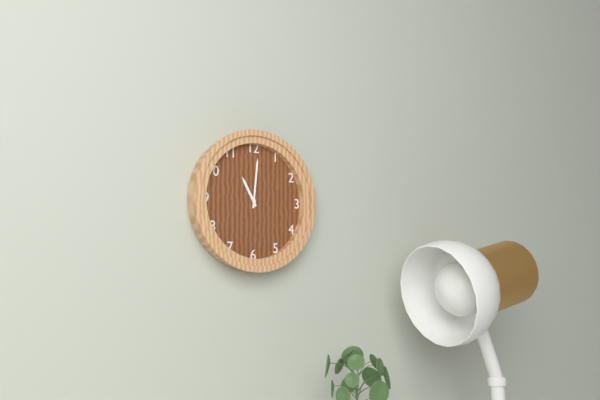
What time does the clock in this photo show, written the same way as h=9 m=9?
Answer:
h=11 m=1
